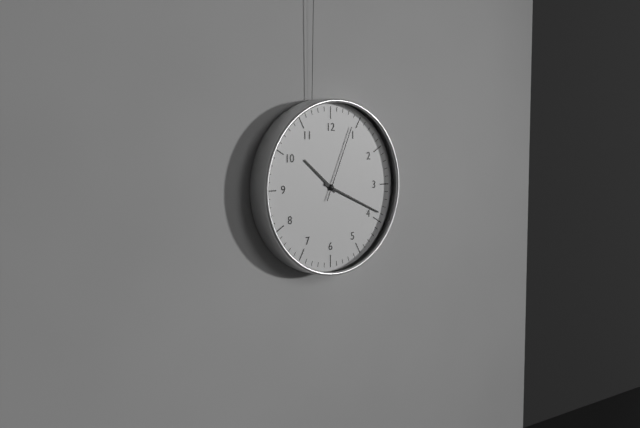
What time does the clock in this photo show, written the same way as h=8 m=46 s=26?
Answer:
h=10 m=19 s=4
